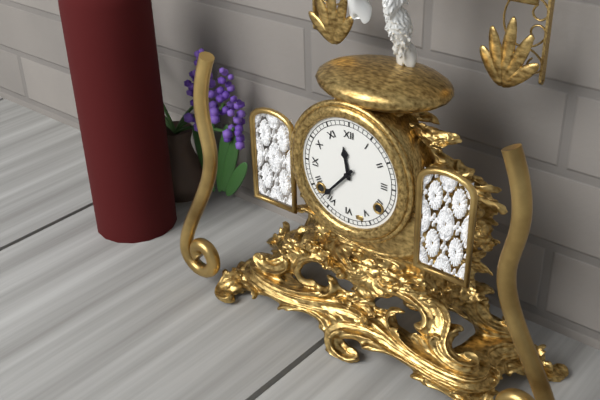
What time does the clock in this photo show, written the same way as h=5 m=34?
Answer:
h=11 m=37
